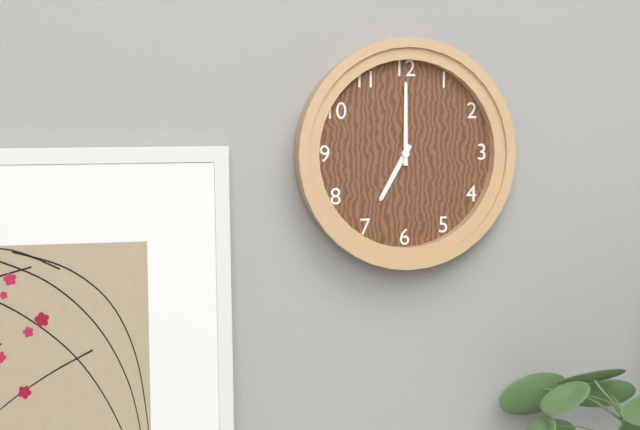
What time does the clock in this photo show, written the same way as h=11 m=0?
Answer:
h=7 m=0
